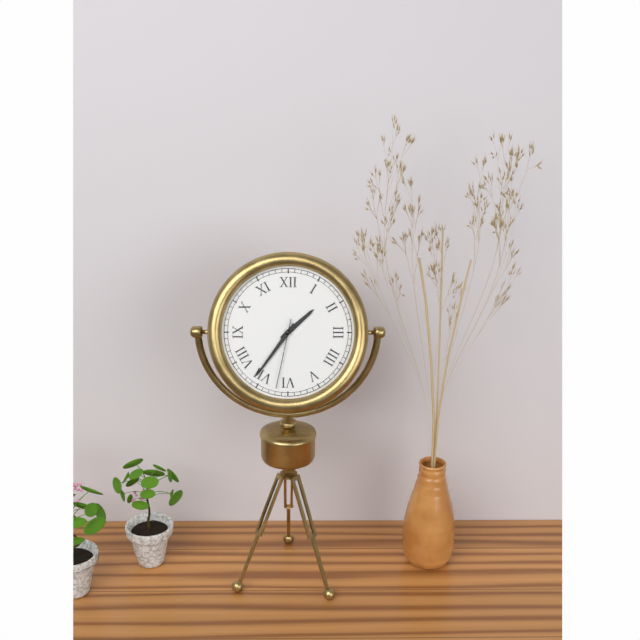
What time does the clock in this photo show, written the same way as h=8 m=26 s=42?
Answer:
h=1 m=36 s=32
